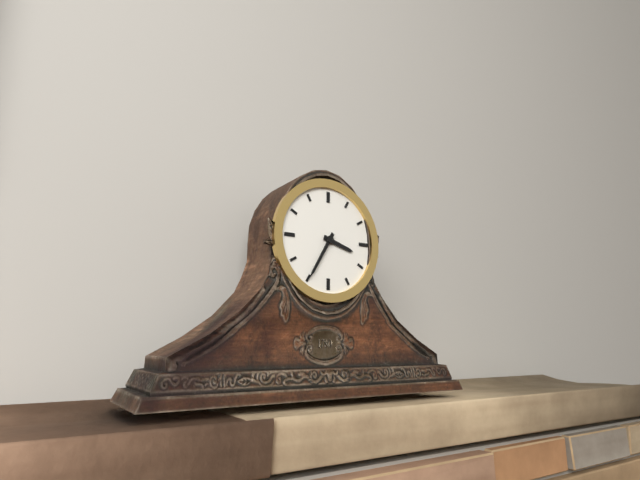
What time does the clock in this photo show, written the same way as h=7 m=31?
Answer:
h=3 m=35
